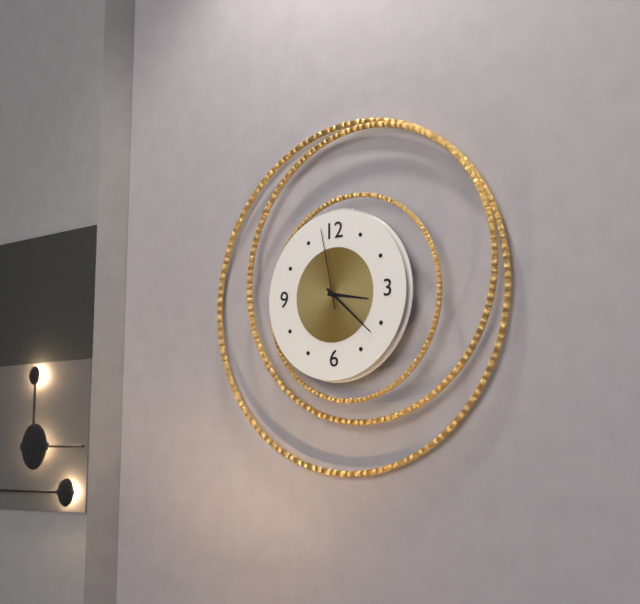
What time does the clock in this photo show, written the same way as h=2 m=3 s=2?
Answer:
h=3 m=22 s=58
